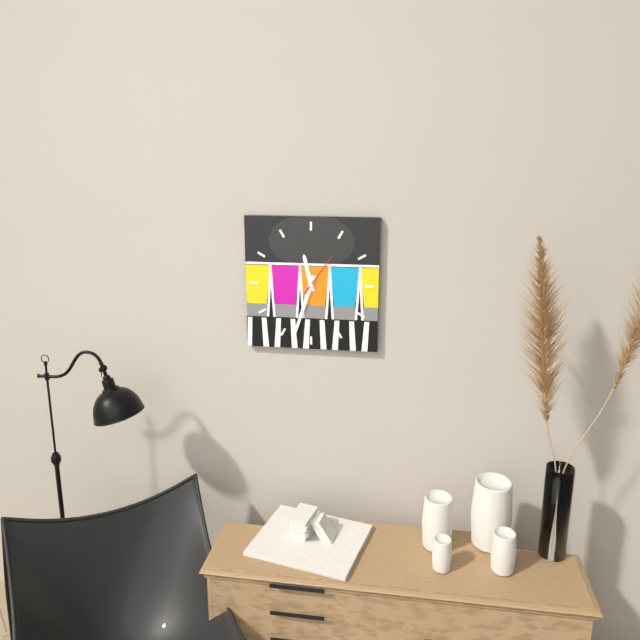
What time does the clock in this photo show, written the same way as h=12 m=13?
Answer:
h=11 m=33
